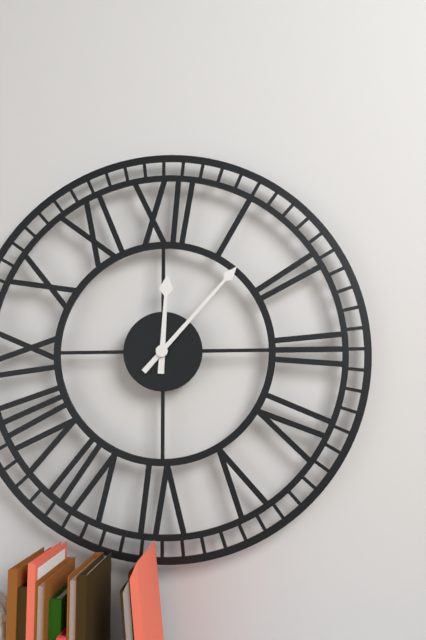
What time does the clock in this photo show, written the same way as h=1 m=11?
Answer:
h=12 m=7
